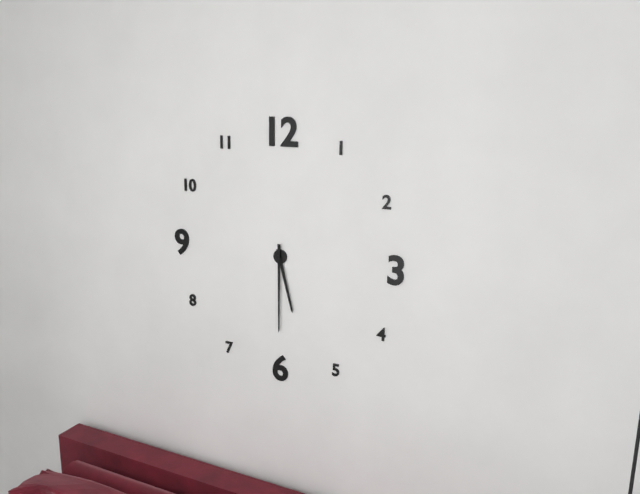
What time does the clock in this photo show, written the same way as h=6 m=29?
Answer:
h=5 m=30
